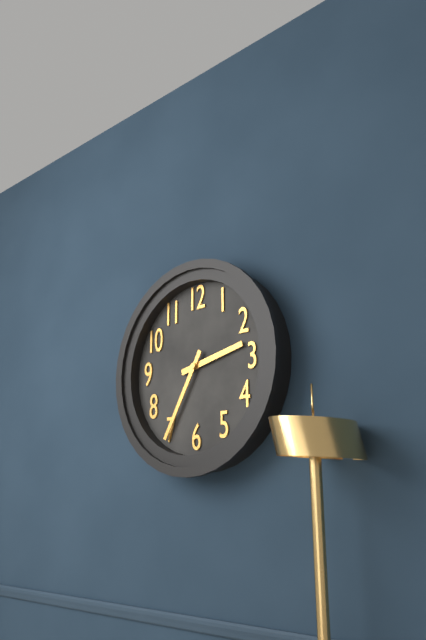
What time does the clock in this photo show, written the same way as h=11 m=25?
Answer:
h=2 m=35
